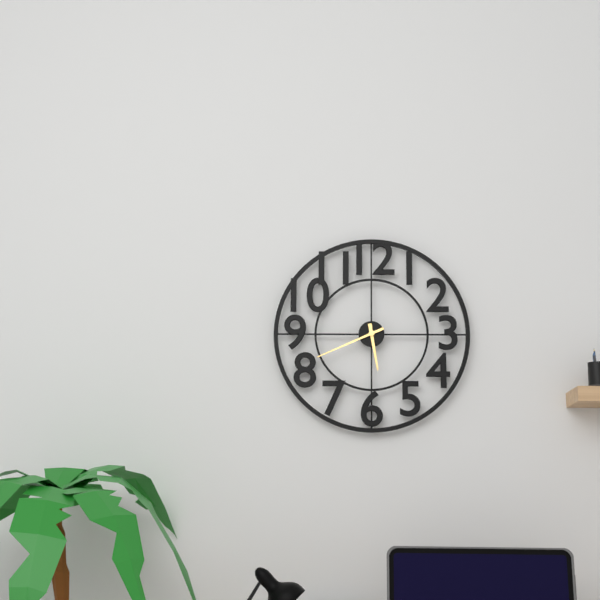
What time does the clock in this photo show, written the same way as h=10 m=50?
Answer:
h=5 m=41
